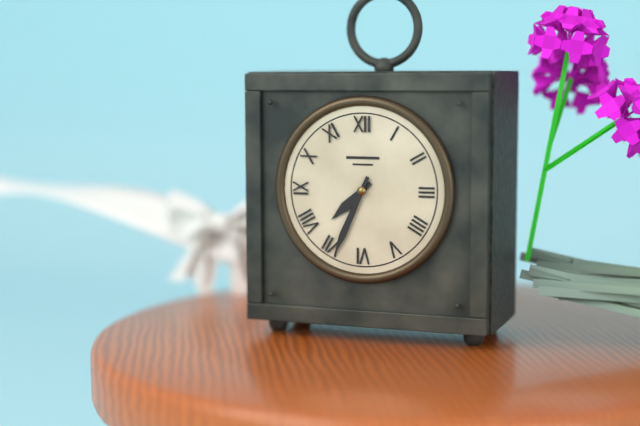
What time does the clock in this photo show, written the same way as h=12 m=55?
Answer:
h=7 m=34
